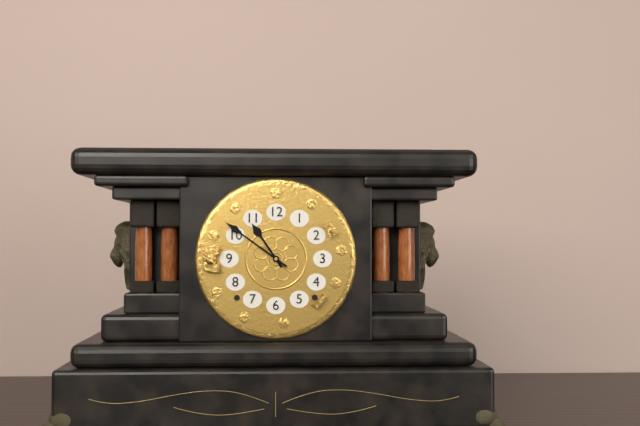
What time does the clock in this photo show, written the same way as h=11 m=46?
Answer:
h=10 m=51
